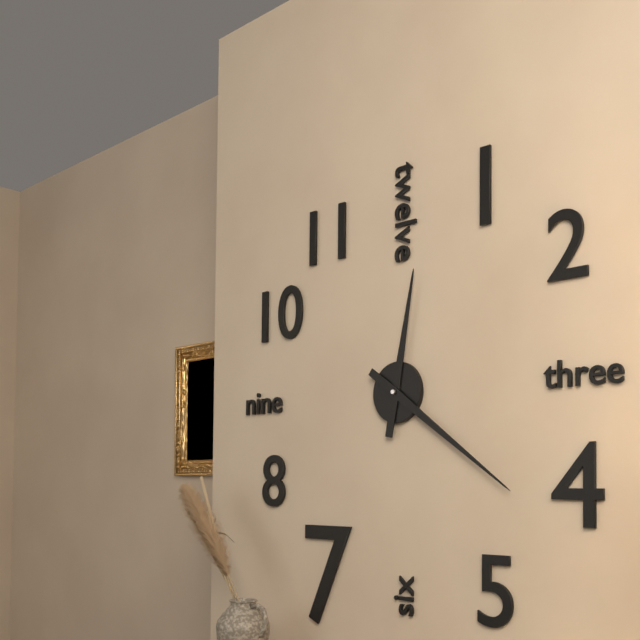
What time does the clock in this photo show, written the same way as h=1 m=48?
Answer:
h=12 m=21
